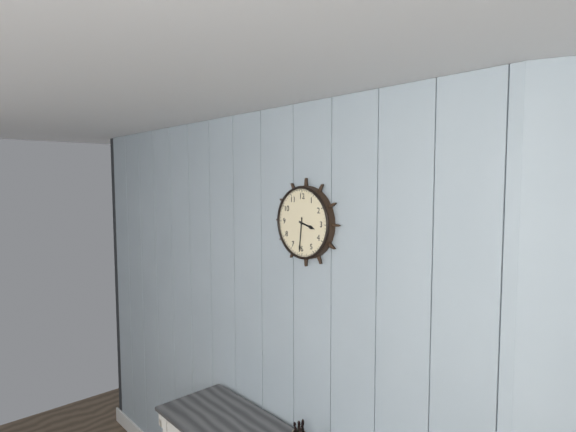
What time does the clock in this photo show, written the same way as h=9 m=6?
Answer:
h=3 m=31
